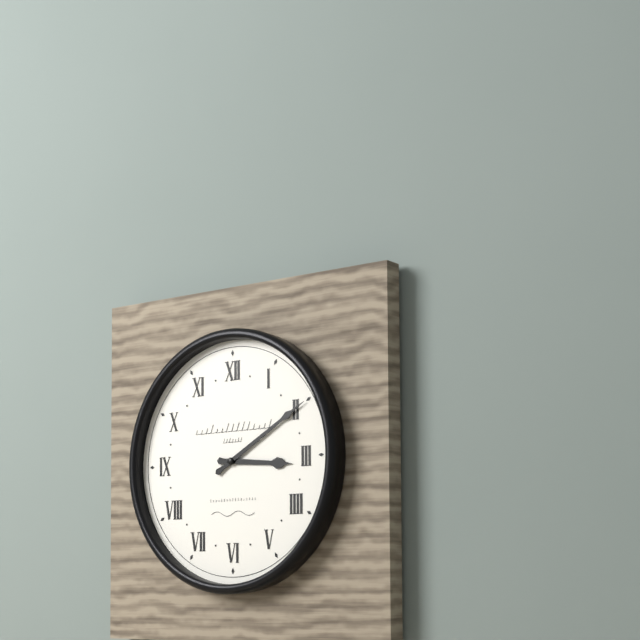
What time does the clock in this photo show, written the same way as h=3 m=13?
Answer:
h=3 m=10
